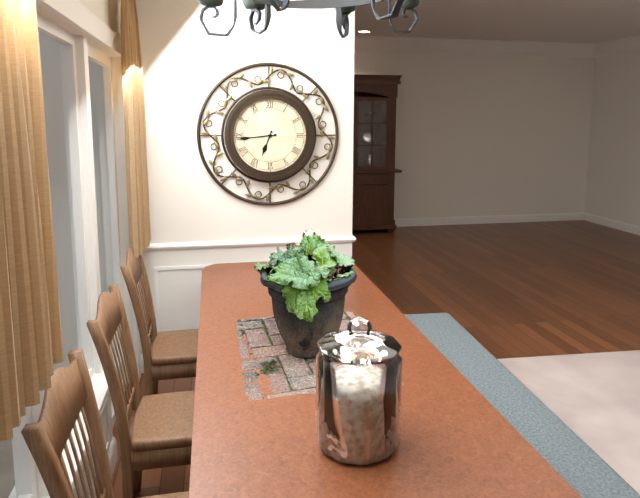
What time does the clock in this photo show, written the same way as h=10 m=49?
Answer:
h=6 m=44
